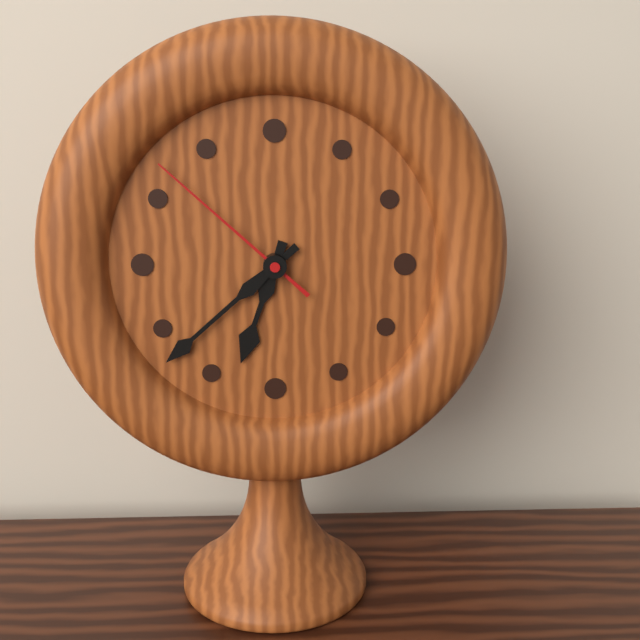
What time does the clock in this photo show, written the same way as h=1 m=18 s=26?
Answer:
h=6 m=38 s=52
